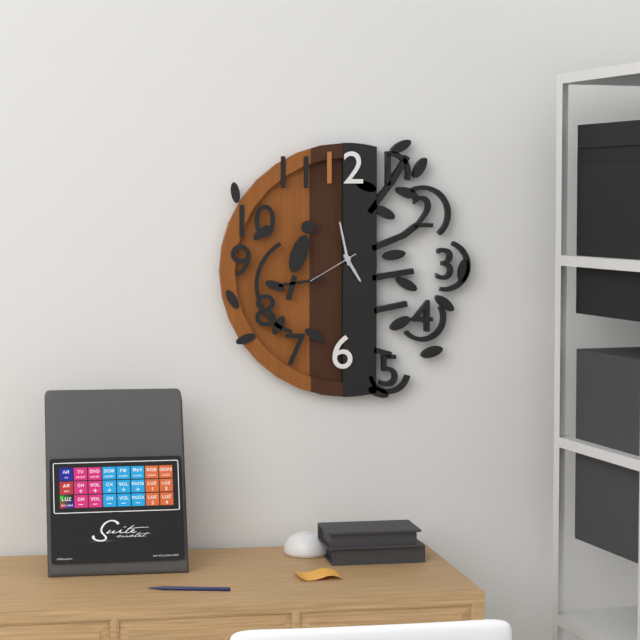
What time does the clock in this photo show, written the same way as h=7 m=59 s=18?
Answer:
h=4 m=58 s=40
